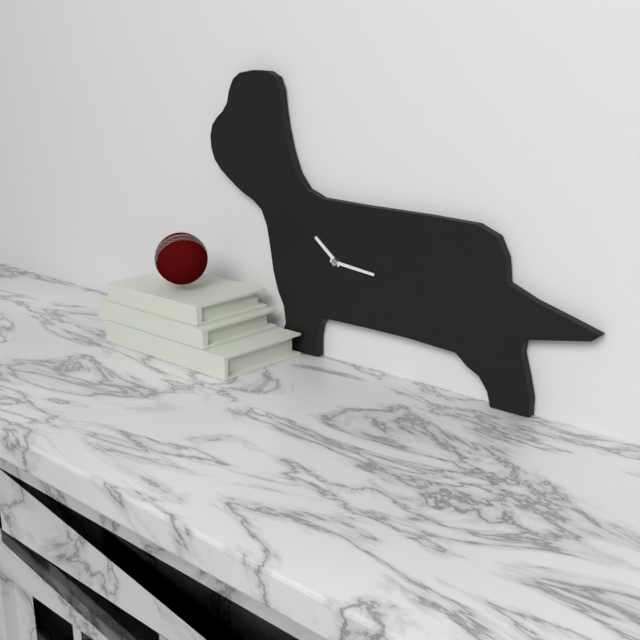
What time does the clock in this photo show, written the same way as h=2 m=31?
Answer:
h=10 m=16
